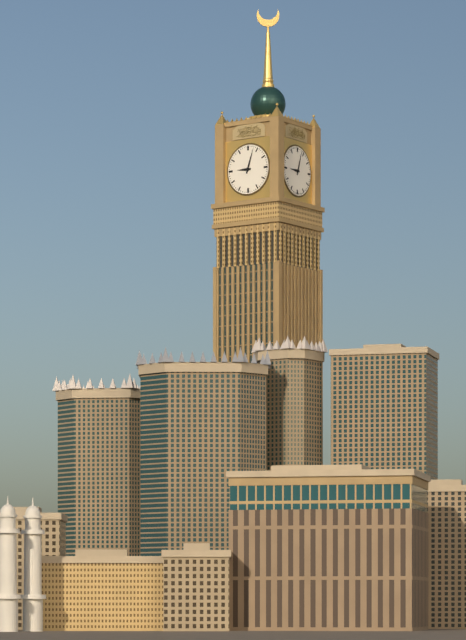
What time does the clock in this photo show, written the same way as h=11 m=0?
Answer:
h=9 m=3
